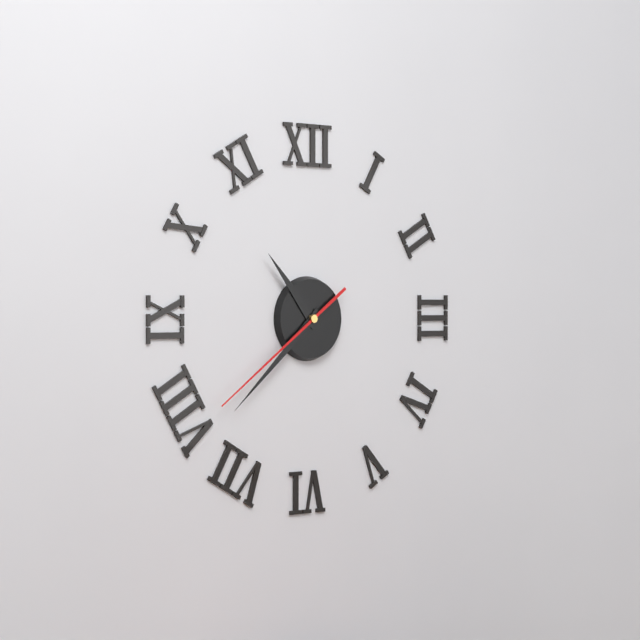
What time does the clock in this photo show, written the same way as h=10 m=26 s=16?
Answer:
h=10 m=38 s=39
